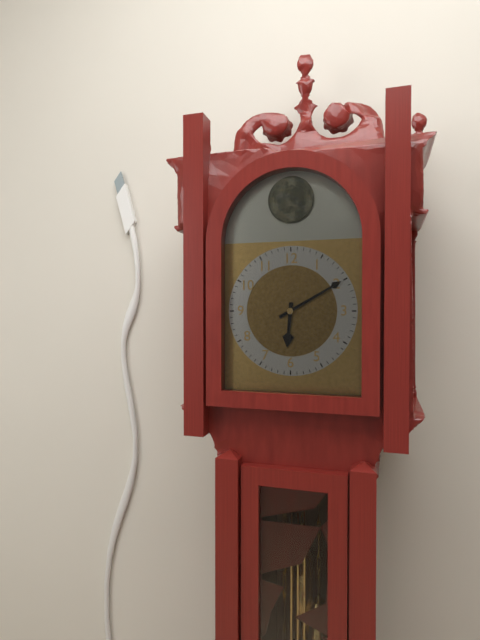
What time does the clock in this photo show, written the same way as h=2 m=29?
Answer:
h=6 m=10
